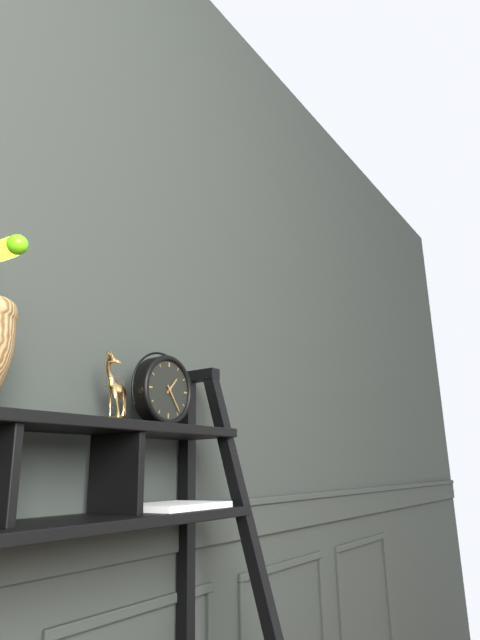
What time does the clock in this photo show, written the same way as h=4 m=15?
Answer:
h=1 m=24
